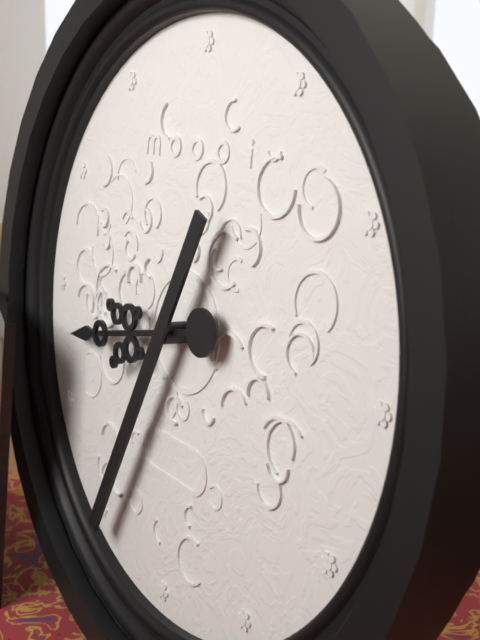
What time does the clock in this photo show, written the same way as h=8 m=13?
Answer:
h=8 m=34
